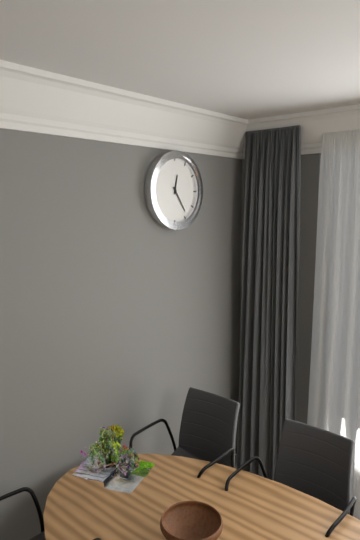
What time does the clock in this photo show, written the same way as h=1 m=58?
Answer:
h=12 m=24
